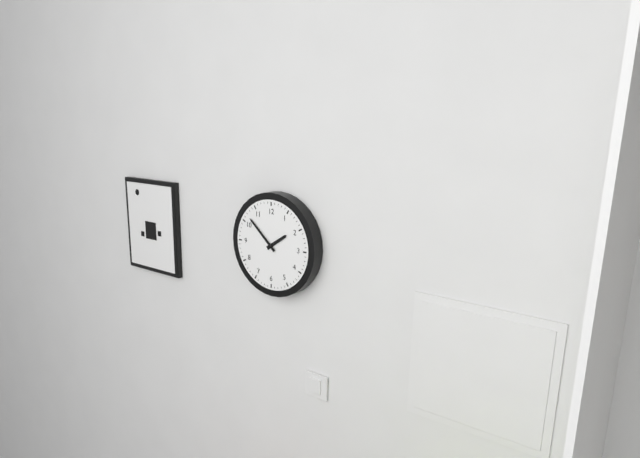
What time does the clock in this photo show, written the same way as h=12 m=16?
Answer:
h=1 m=52
